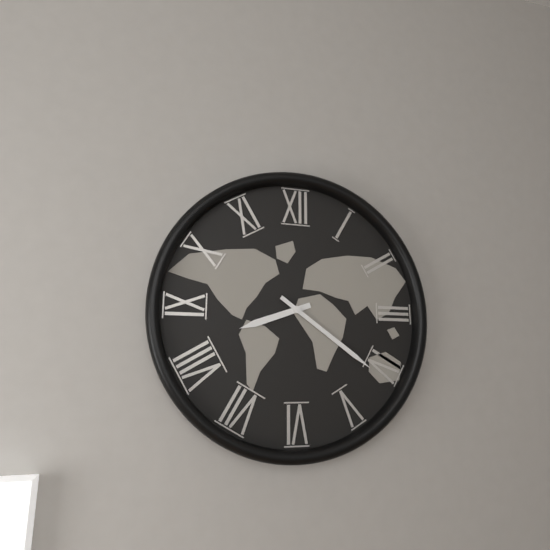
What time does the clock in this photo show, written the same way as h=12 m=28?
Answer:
h=8 m=21
